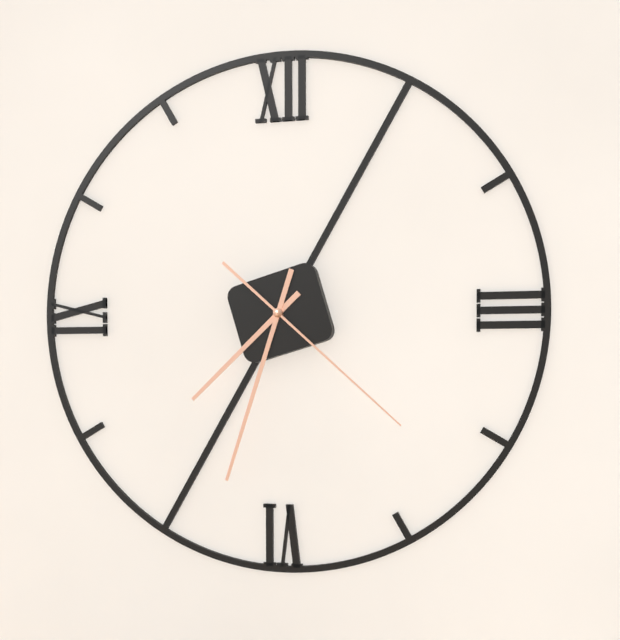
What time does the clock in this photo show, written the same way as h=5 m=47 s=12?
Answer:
h=7 m=33 s=22
